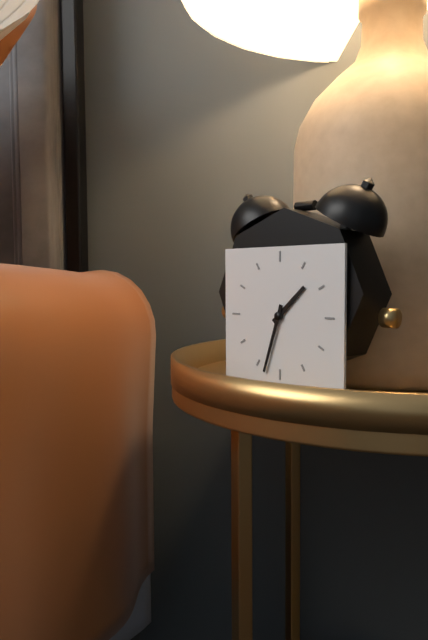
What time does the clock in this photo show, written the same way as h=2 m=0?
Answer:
h=1 m=33
